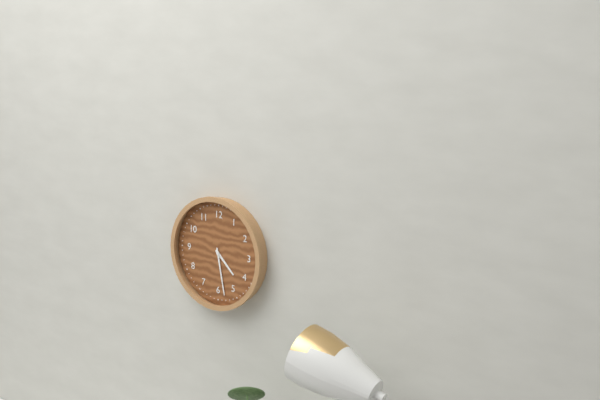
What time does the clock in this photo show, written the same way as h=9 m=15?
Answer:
h=4 m=28
